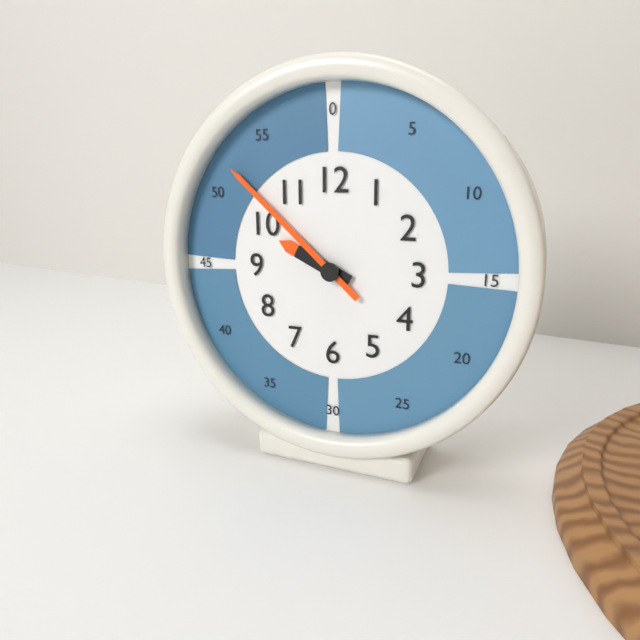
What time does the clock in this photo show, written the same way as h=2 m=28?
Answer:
h=9 m=52
